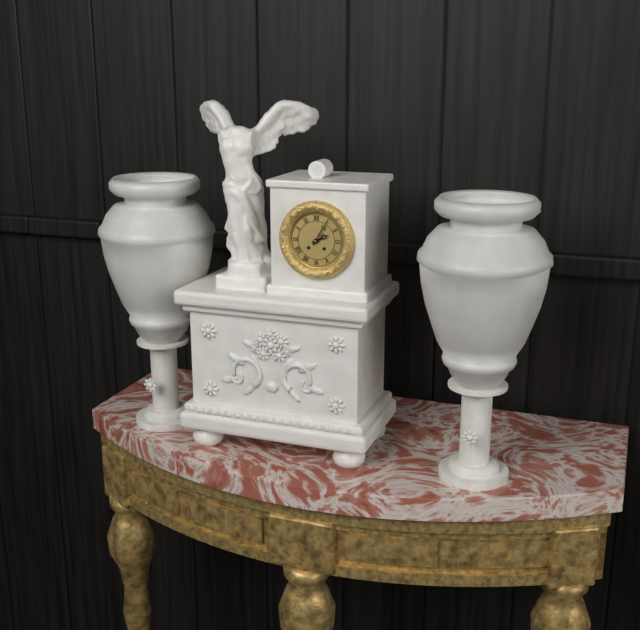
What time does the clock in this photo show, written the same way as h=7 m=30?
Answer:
h=2 m=5
